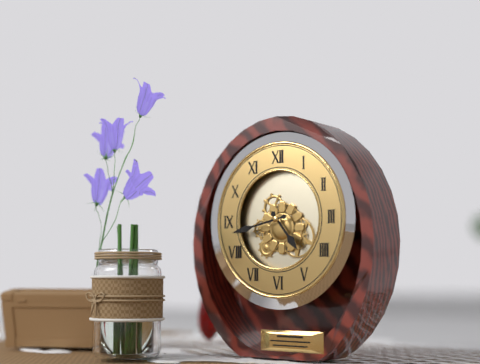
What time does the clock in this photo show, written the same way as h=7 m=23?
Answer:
h=4 m=43
